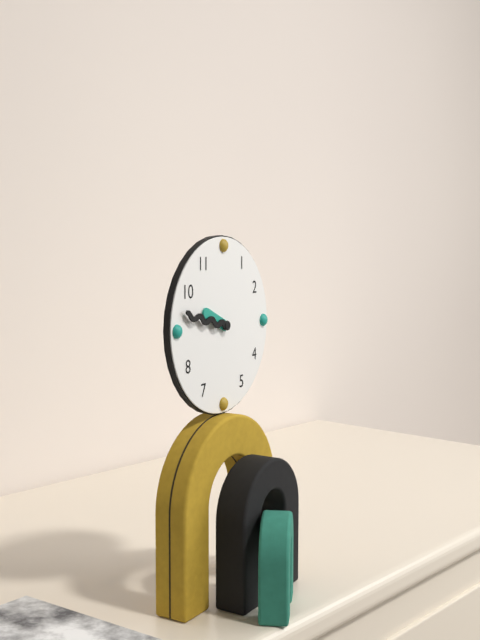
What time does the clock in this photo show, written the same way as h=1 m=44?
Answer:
h=9 m=47
